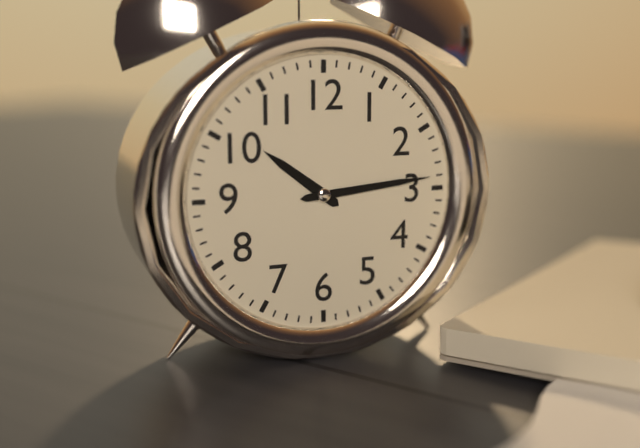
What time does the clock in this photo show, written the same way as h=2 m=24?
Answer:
h=10 m=14
